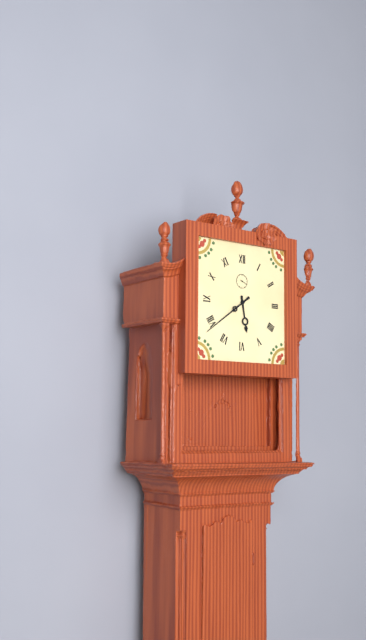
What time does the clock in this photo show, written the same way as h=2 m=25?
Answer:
h=5 m=39
